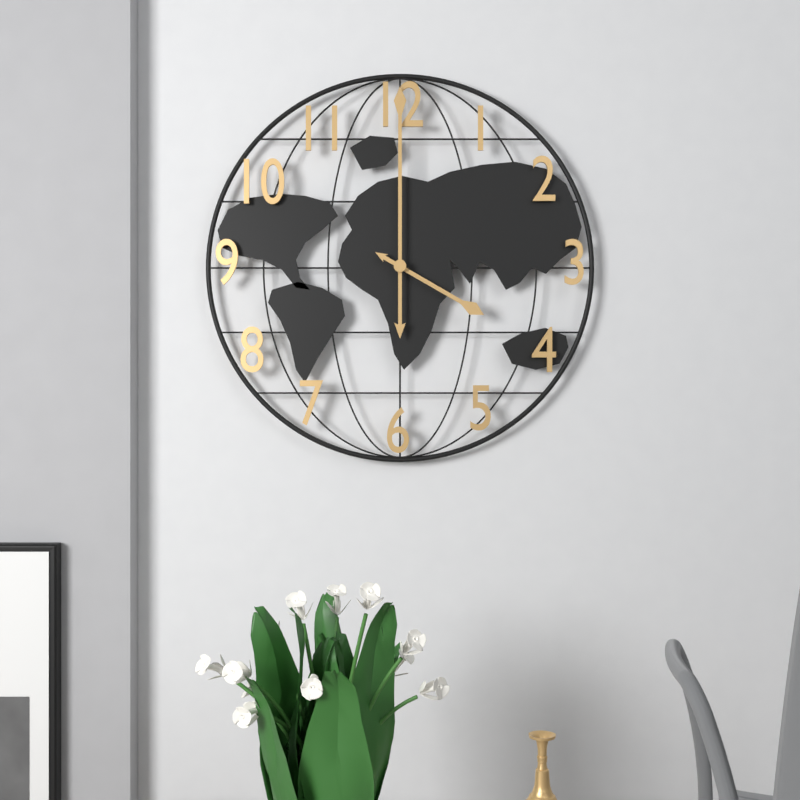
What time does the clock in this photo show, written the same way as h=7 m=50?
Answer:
h=4 m=0
